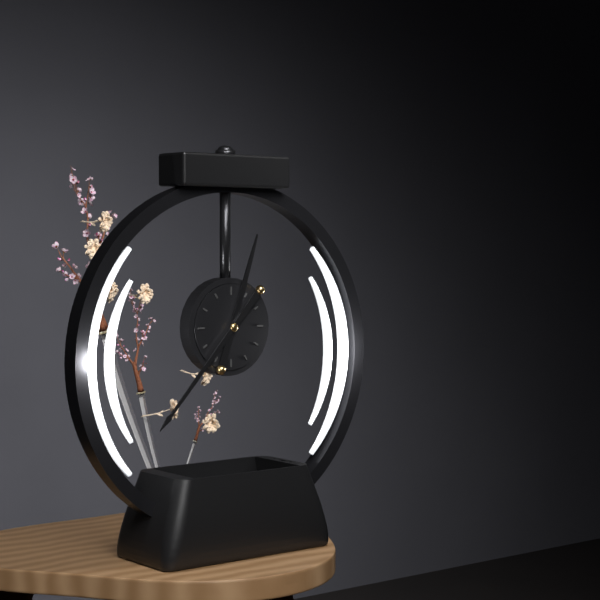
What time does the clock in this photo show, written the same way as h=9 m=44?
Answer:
h=12 m=37
